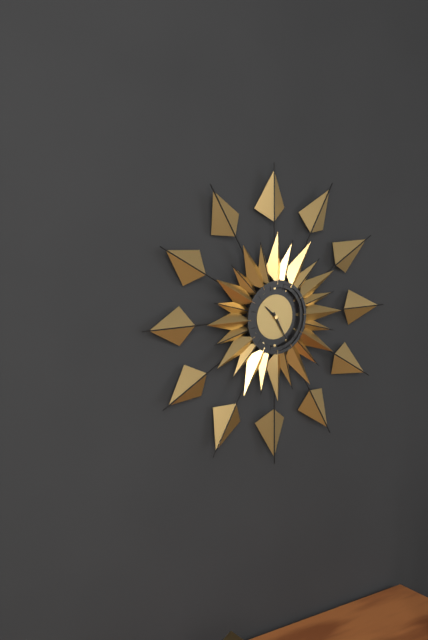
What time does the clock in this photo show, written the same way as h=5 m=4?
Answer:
h=10 m=25
